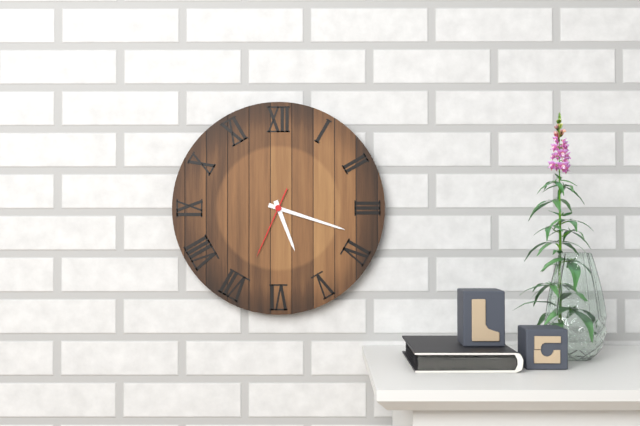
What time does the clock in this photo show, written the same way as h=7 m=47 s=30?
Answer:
h=5 m=18 s=34
